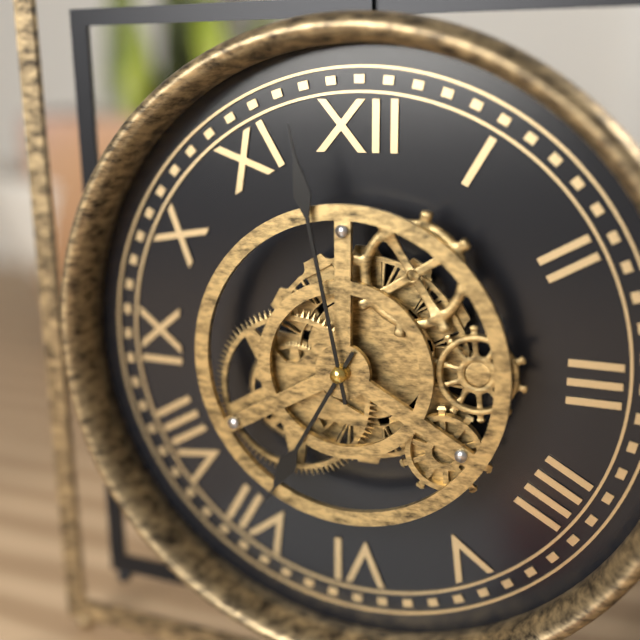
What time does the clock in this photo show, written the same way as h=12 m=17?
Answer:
h=6 m=58
